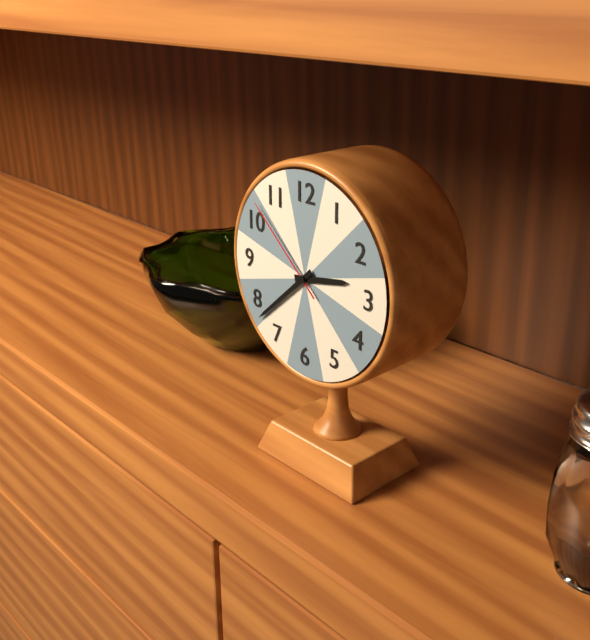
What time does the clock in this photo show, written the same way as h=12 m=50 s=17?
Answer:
h=2 m=38 s=52
